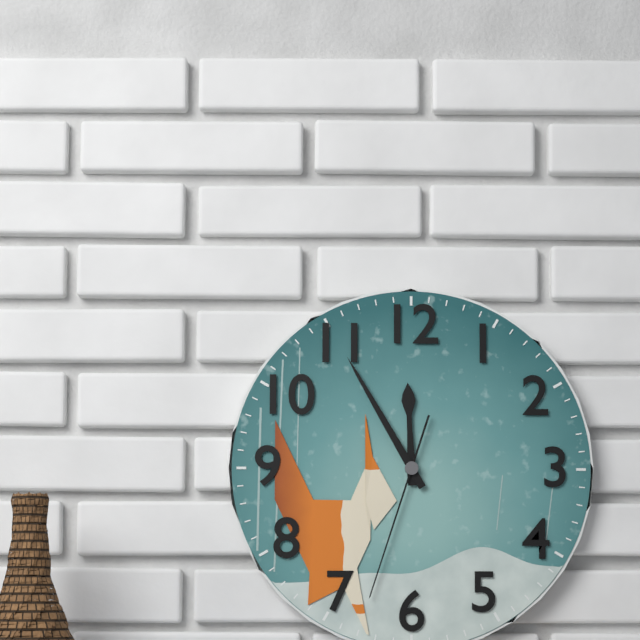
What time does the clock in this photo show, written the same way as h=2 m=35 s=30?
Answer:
h=11 m=55 s=33
